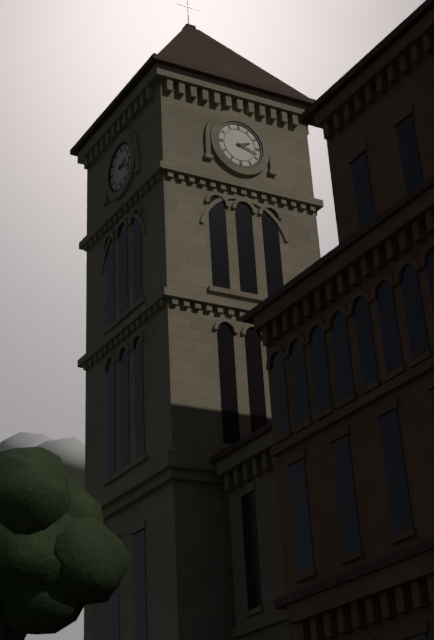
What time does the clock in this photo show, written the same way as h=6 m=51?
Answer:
h=2 m=18
